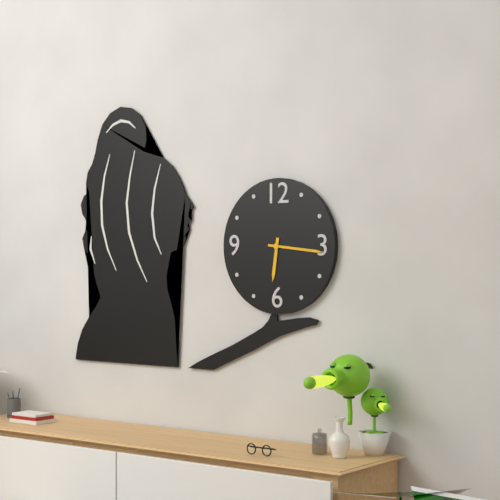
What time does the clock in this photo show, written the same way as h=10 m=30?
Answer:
h=6 m=16
